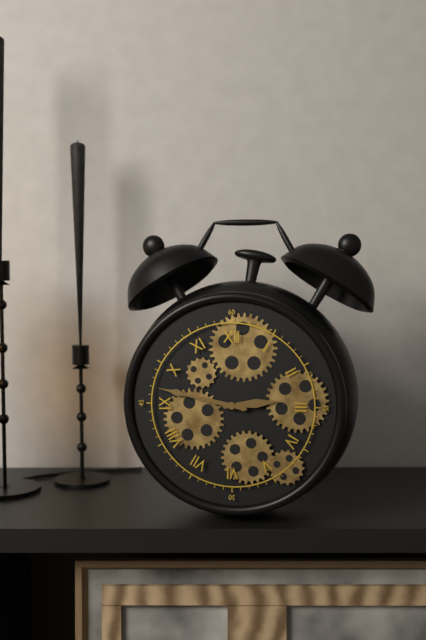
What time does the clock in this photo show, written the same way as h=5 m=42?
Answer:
h=2 m=47
